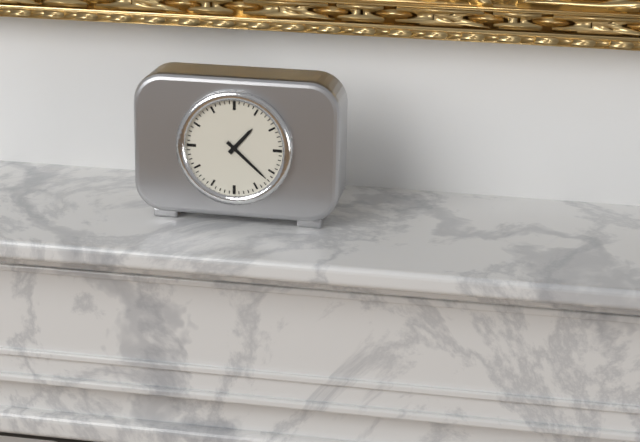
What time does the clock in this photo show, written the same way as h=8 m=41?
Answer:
h=1 m=22
